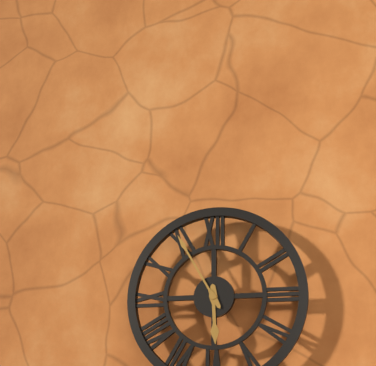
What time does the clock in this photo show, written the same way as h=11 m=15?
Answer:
h=5 m=55
